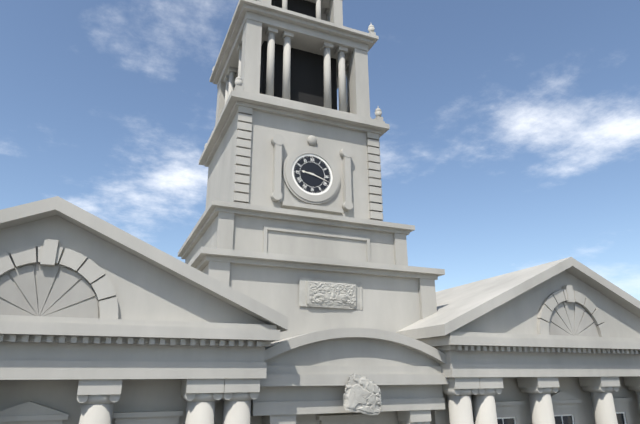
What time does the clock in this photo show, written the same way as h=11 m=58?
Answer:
h=9 m=18
